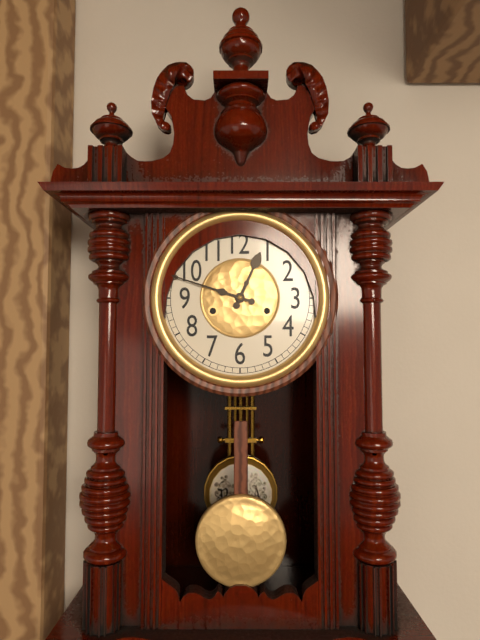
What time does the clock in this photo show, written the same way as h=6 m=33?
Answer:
h=12 m=48
